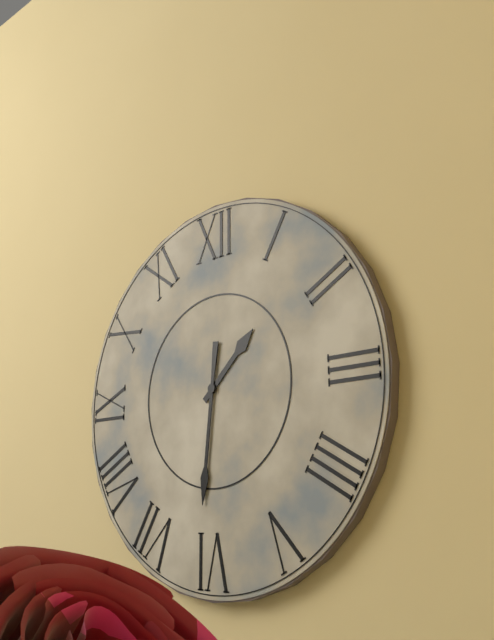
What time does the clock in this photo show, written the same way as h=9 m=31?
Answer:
h=1 m=31
